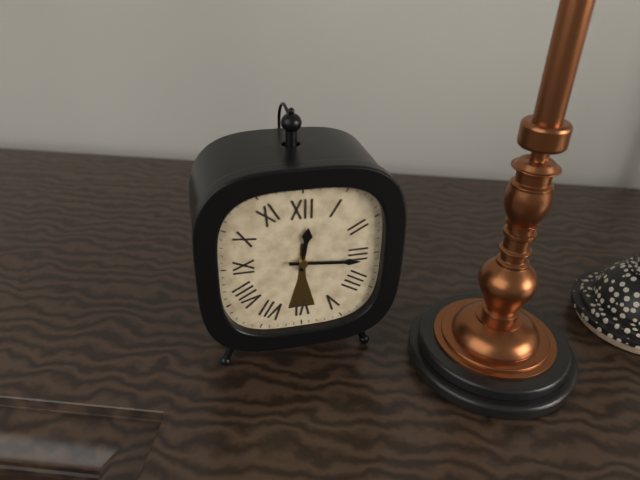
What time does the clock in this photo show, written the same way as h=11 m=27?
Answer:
h=12 m=16
